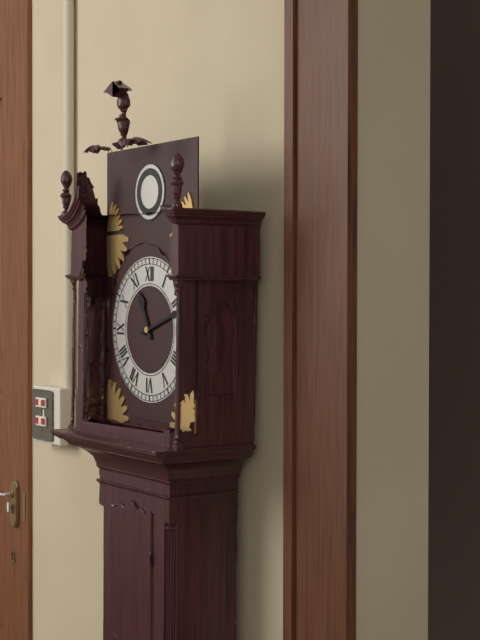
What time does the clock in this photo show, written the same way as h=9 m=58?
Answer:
h=11 m=12
